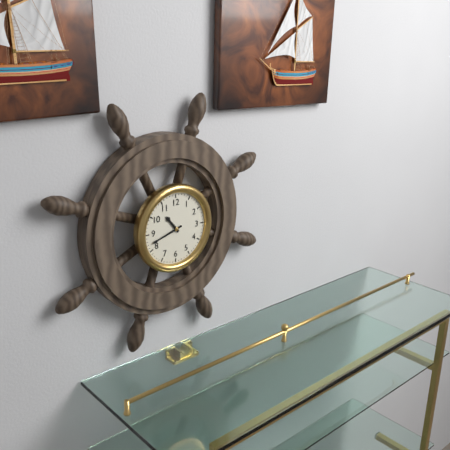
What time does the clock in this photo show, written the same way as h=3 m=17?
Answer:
h=10 m=42
